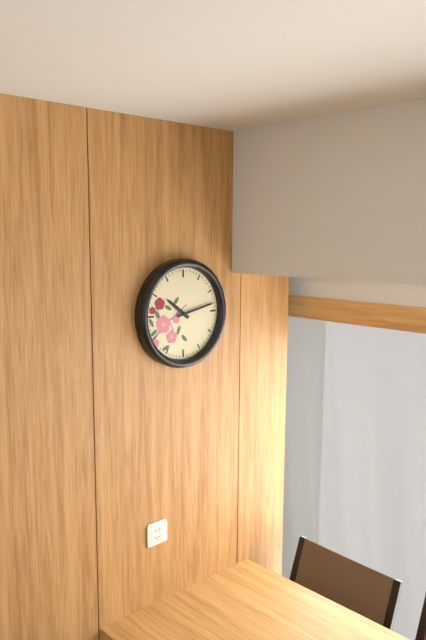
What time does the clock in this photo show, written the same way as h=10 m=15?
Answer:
h=10 m=13
